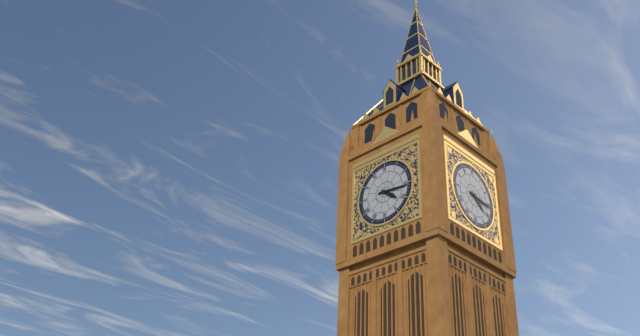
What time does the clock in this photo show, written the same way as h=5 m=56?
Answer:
h=4 m=16
